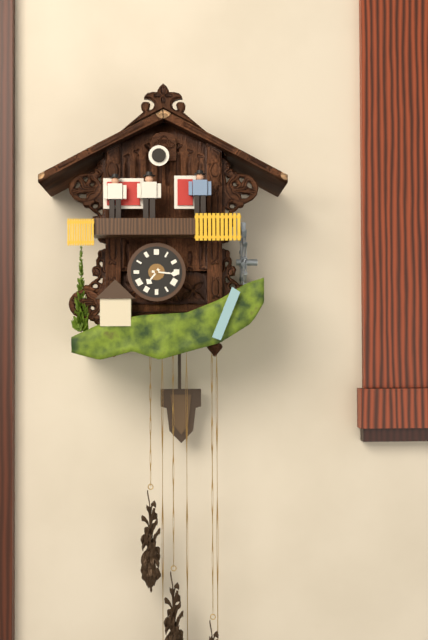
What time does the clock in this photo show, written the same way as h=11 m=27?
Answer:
h=7 m=16
